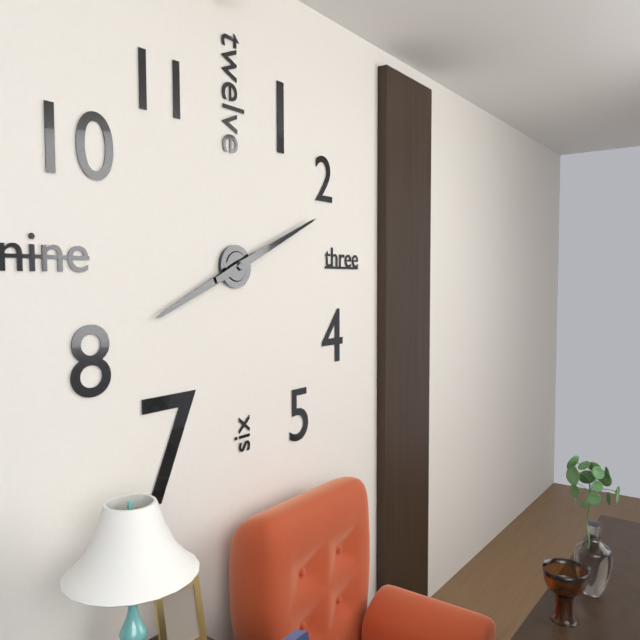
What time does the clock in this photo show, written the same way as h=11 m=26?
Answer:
h=8 m=11
